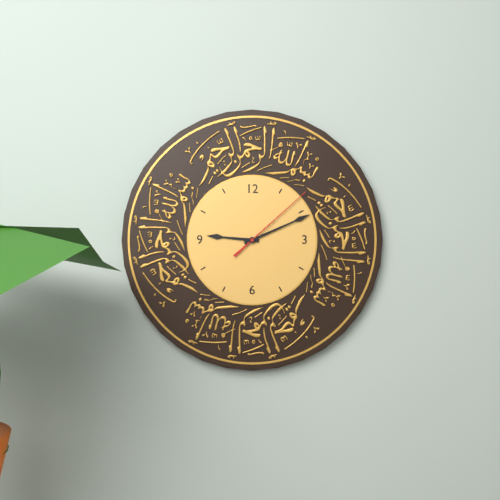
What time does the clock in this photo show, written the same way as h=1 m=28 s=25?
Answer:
h=9 m=11 s=8
